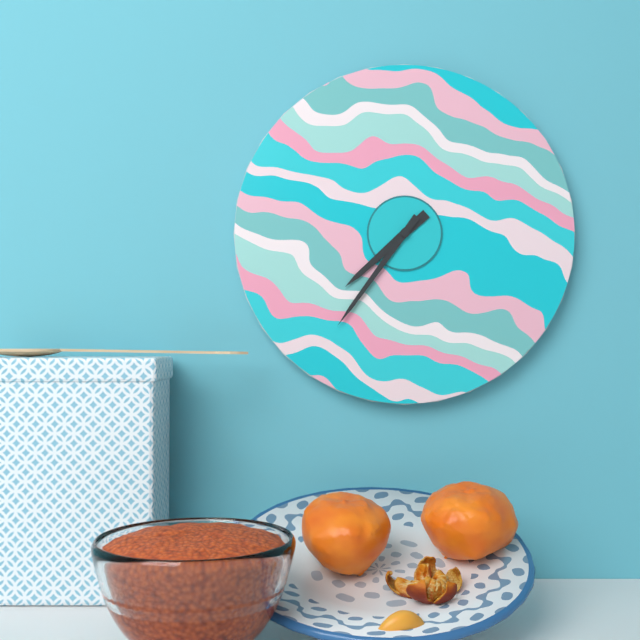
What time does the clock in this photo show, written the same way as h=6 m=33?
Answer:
h=7 m=36
